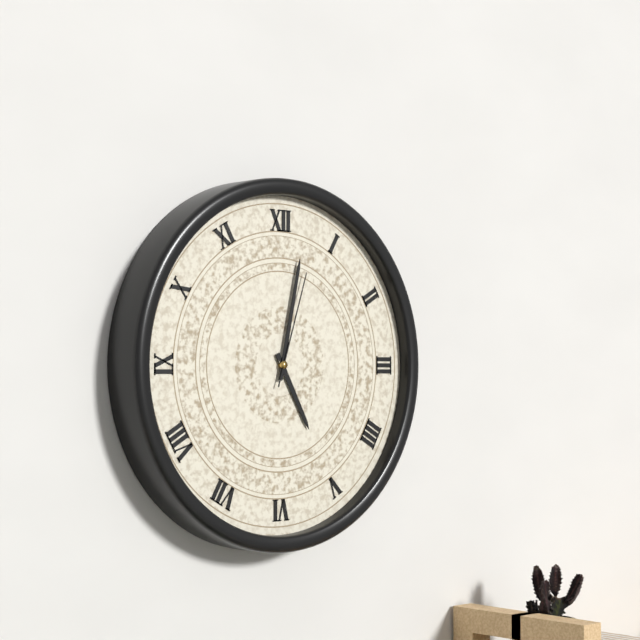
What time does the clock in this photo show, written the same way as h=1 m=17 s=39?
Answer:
h=5 m=2 s=3
